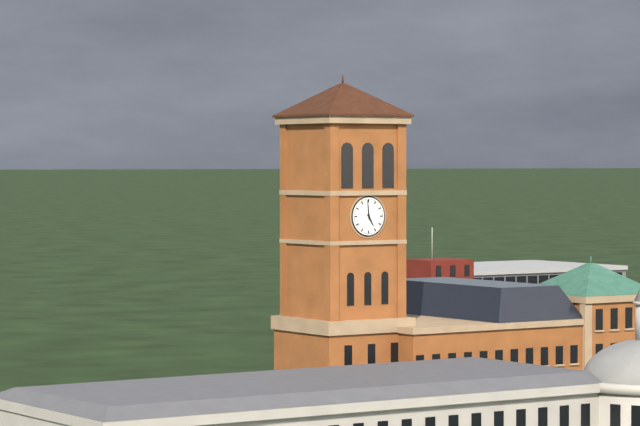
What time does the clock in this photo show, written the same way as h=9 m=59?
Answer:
h=4 m=59
